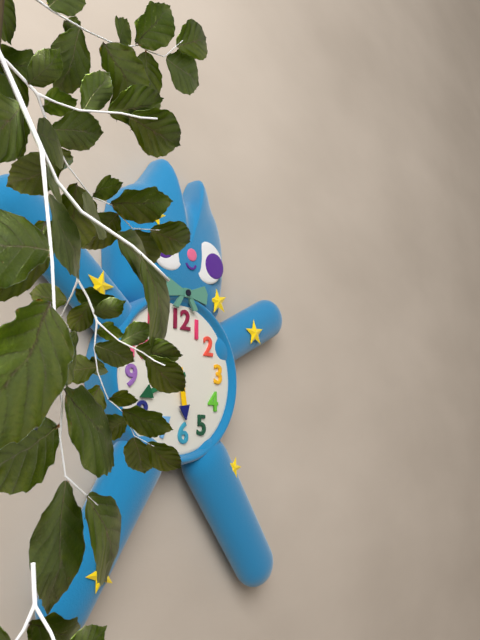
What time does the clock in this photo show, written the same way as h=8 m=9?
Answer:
h=5 m=41
